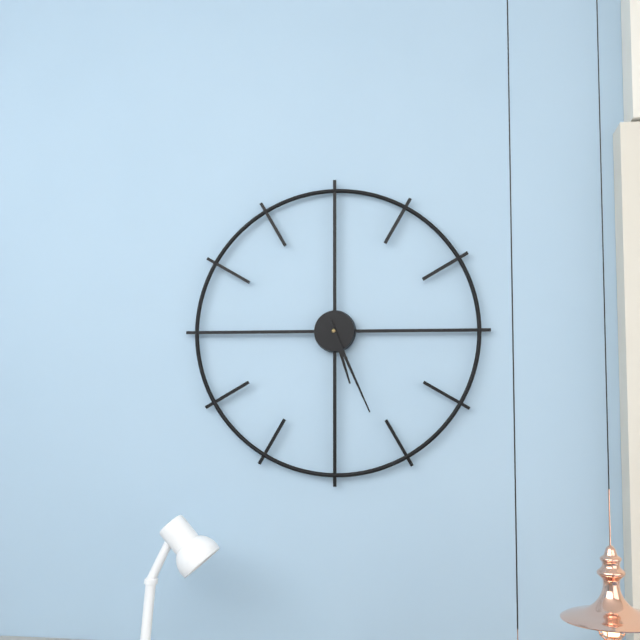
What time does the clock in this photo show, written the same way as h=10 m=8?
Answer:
h=5 m=26
